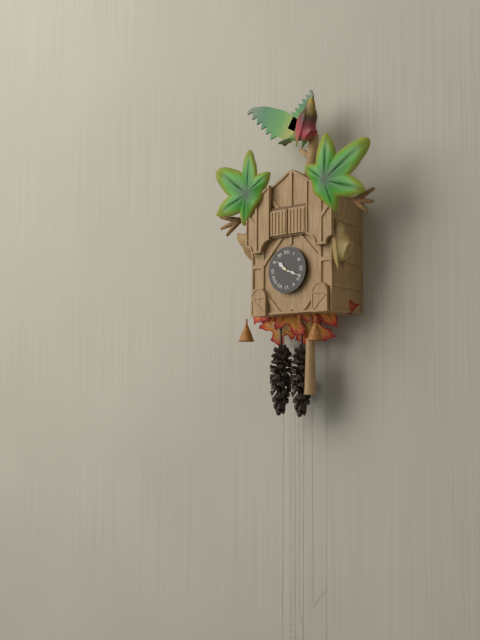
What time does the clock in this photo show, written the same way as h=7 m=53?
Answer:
h=10 m=19
